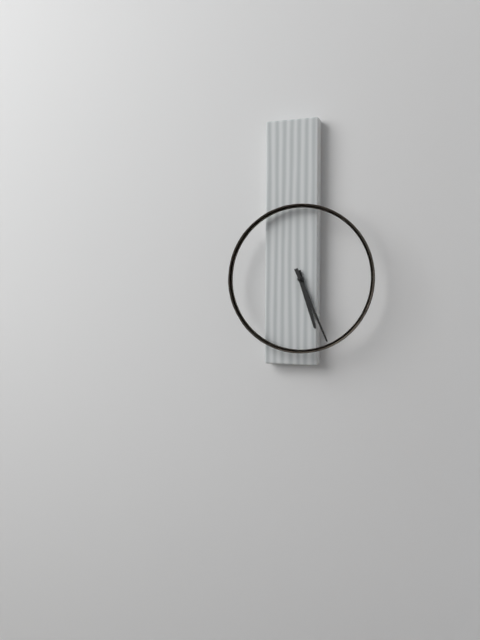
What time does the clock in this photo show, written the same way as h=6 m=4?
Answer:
h=5 m=26
